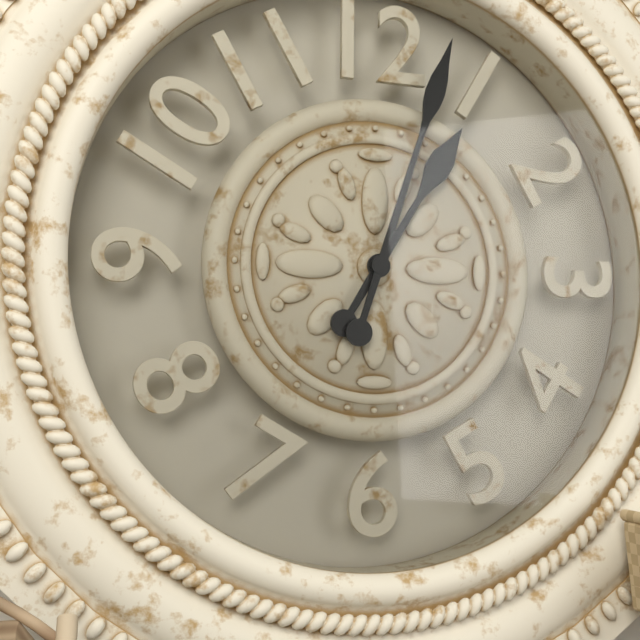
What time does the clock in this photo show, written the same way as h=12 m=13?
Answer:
h=1 m=3
